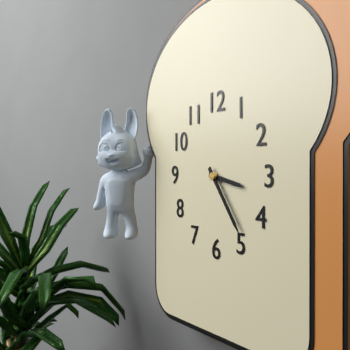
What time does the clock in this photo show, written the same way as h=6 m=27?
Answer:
h=3 m=24
